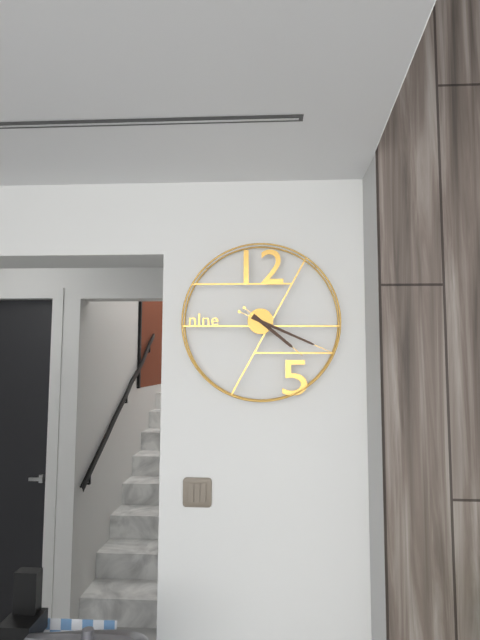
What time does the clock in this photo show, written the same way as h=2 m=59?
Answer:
h=4 m=19
